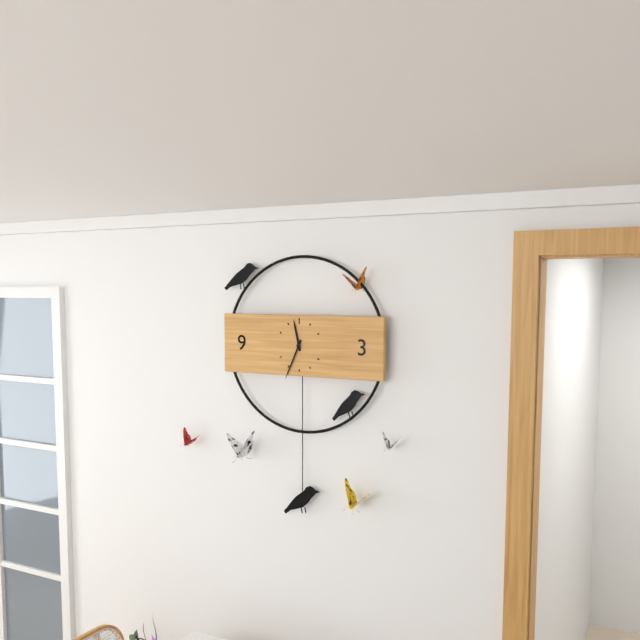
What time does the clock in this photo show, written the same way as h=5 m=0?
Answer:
h=11 m=34
